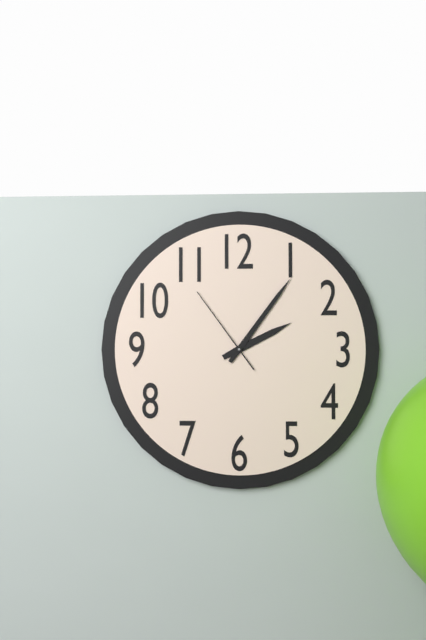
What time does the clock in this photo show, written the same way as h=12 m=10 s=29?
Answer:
h=2 m=6 s=54
